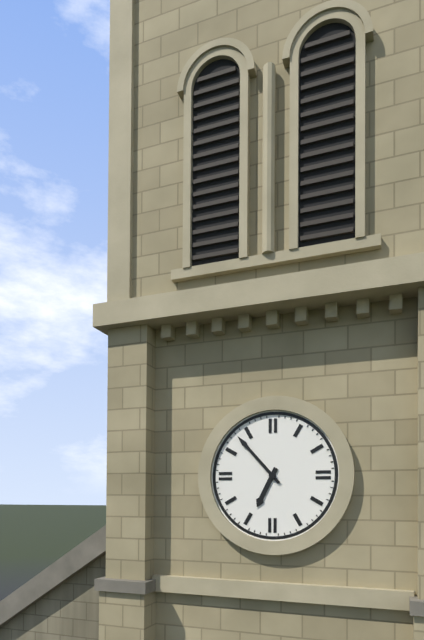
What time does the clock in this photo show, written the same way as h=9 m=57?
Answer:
h=6 m=53
